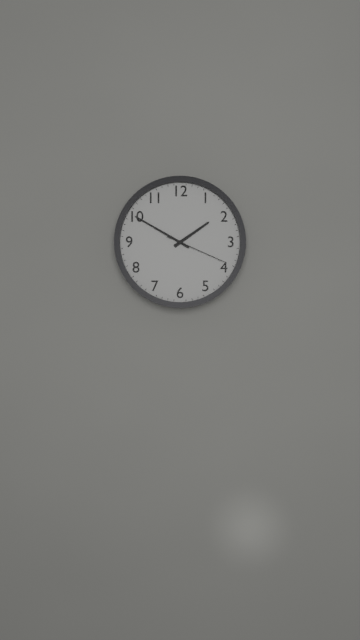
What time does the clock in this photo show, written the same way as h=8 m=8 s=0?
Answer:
h=1 m=50 s=19
